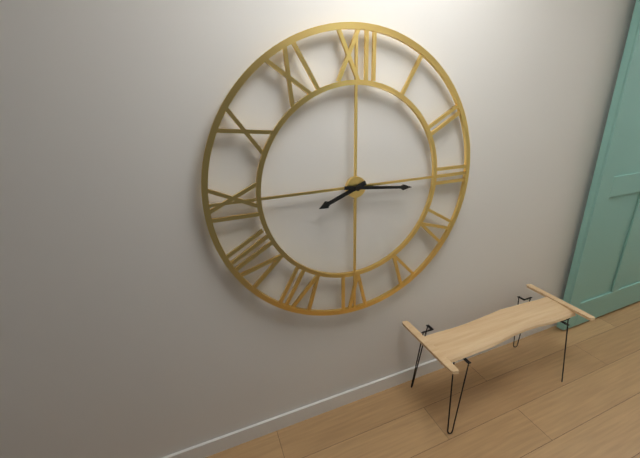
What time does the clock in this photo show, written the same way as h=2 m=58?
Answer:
h=8 m=16
